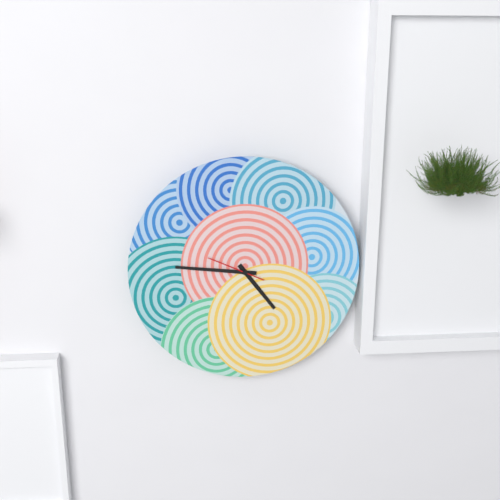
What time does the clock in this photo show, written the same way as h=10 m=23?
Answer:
h=4 m=46
